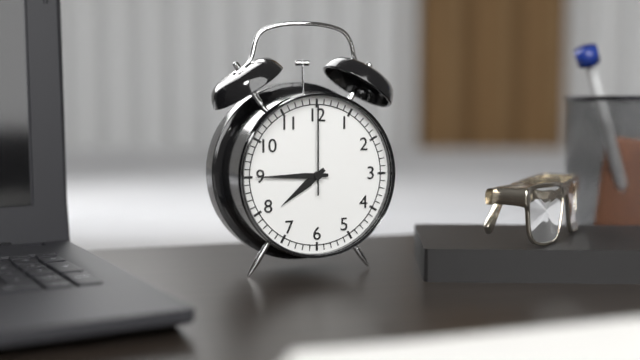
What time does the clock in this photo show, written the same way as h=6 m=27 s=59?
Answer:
h=7 m=45 s=0
